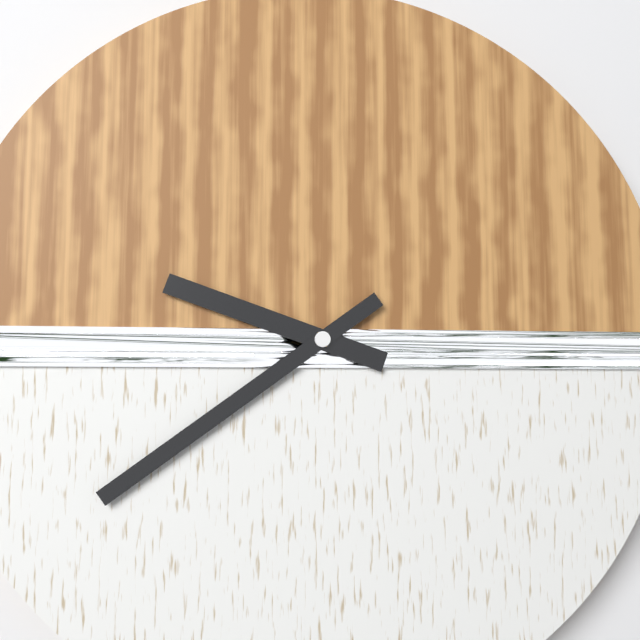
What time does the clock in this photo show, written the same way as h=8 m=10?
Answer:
h=9 m=39
